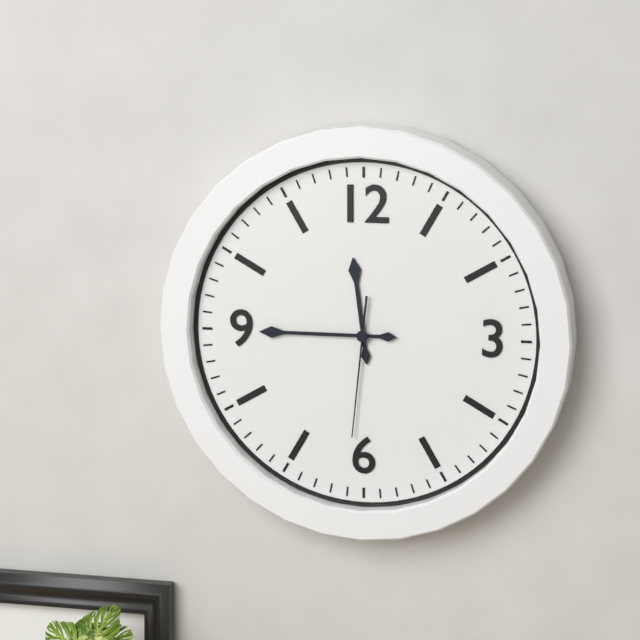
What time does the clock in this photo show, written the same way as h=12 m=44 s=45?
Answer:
h=11 m=45 s=31
